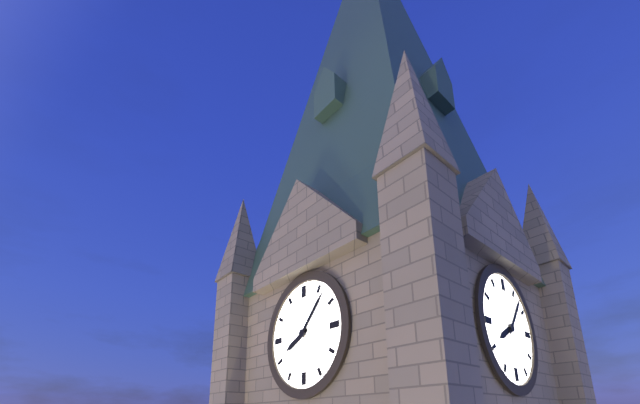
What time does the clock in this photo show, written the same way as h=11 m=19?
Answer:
h=8 m=7
